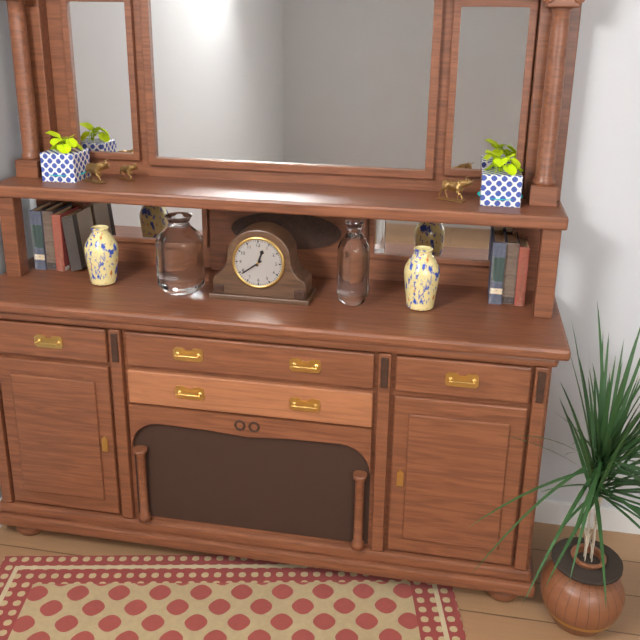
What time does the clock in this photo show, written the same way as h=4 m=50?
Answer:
h=12 m=39
